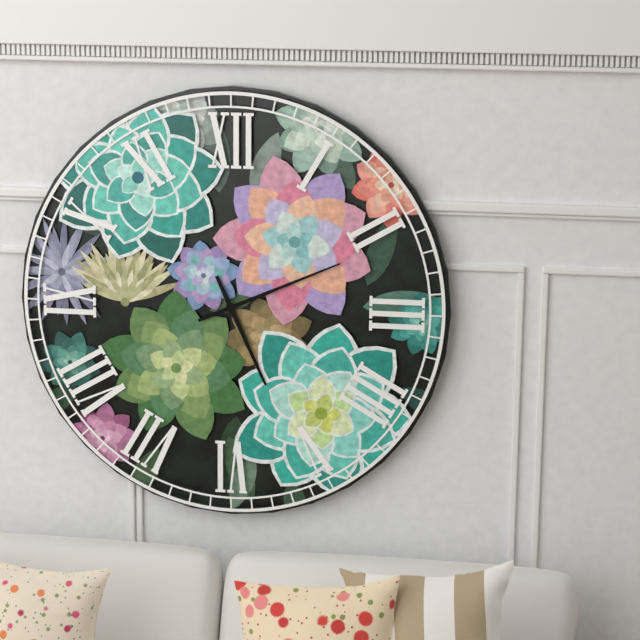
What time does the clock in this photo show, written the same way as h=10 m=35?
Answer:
h=5 m=11
